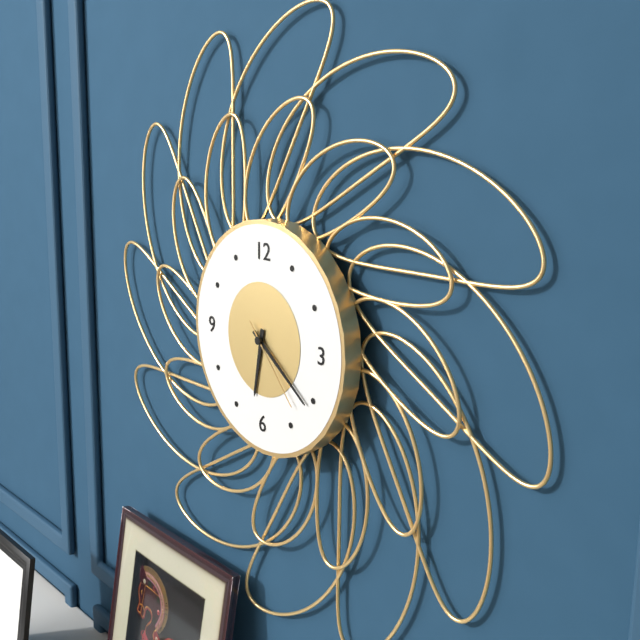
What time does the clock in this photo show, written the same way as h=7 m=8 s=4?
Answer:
h=6 m=21 s=23
